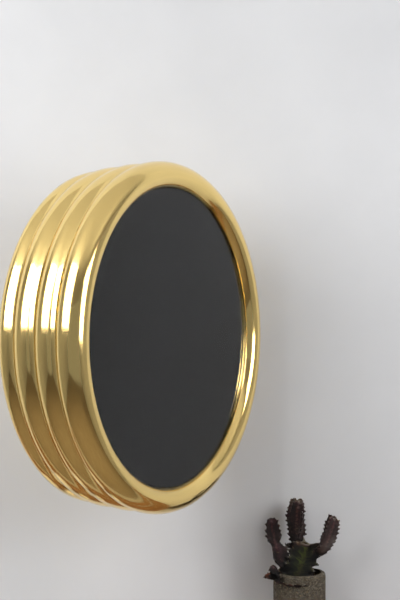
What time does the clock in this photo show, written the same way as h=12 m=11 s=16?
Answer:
h=1 m=12 s=43
